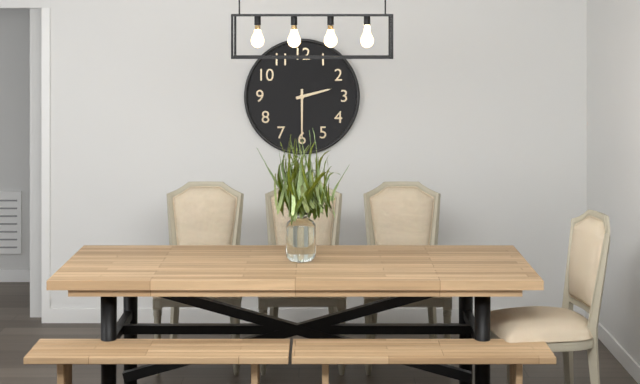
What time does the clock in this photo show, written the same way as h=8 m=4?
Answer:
h=2 m=30
